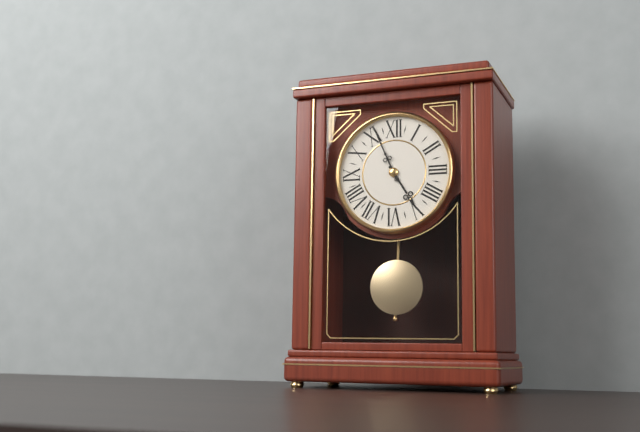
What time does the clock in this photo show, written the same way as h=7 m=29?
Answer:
h=4 m=56
